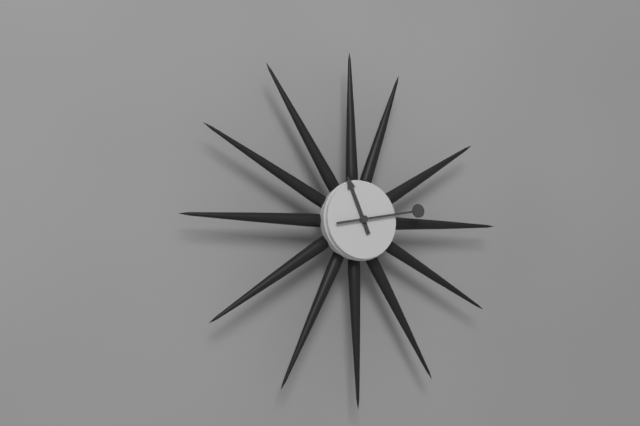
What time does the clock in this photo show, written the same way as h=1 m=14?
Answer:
h=11 m=13
